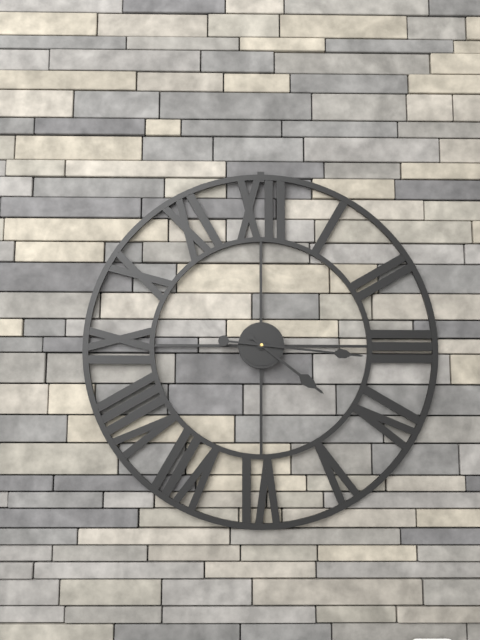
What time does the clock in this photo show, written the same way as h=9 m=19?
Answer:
h=4 m=16
